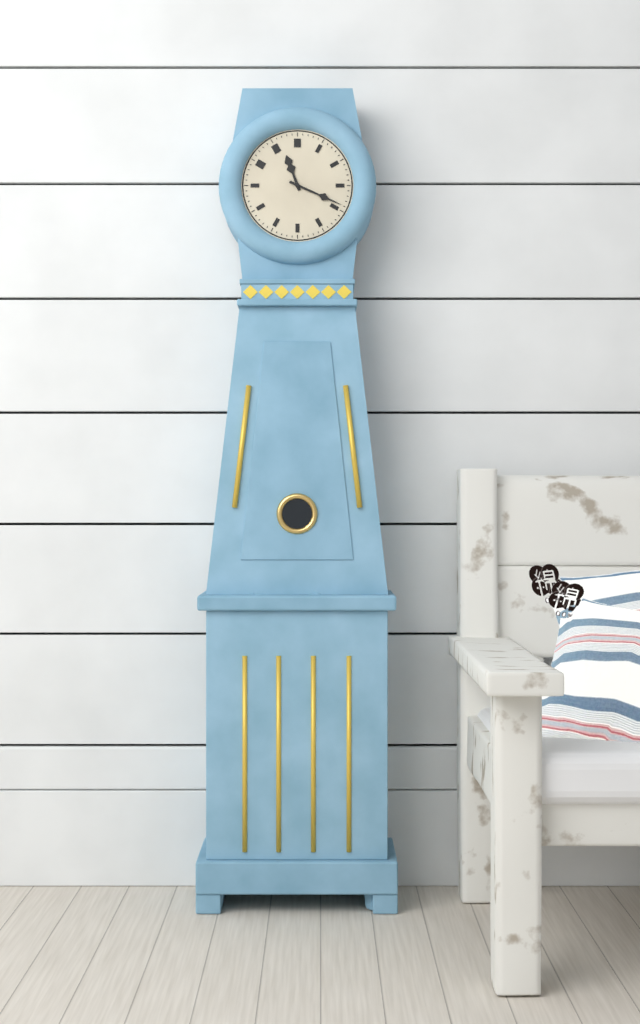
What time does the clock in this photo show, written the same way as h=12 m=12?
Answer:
h=11 m=19
